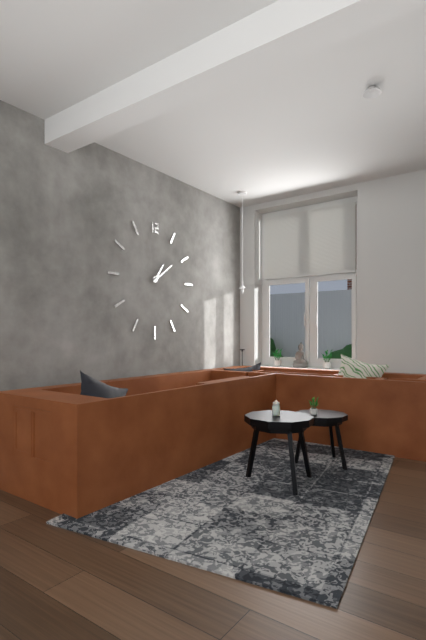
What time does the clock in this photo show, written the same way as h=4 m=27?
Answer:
h=1 m=9
